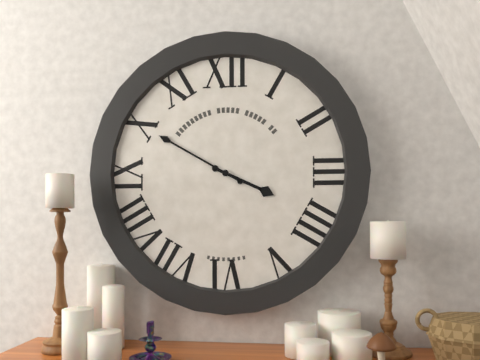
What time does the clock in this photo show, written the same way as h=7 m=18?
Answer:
h=3 m=50
